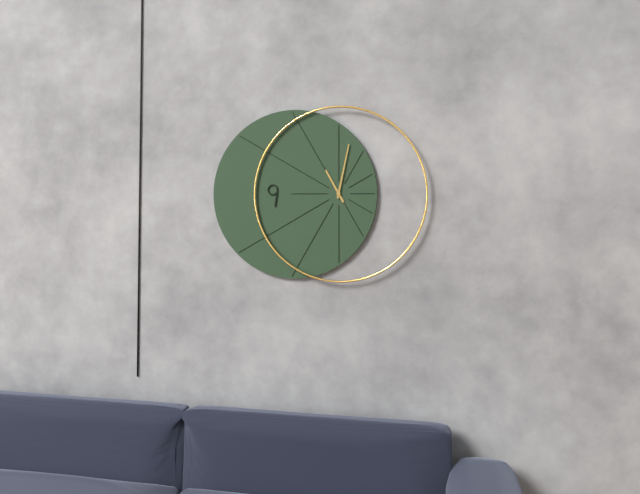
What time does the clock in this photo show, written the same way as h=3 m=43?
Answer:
h=11 m=2
